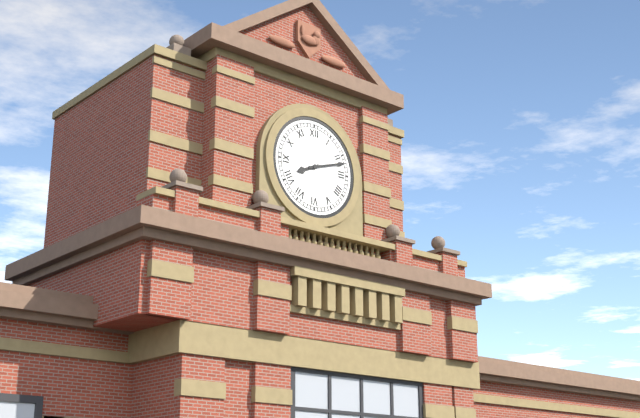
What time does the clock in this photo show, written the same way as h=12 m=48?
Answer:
h=8 m=12
